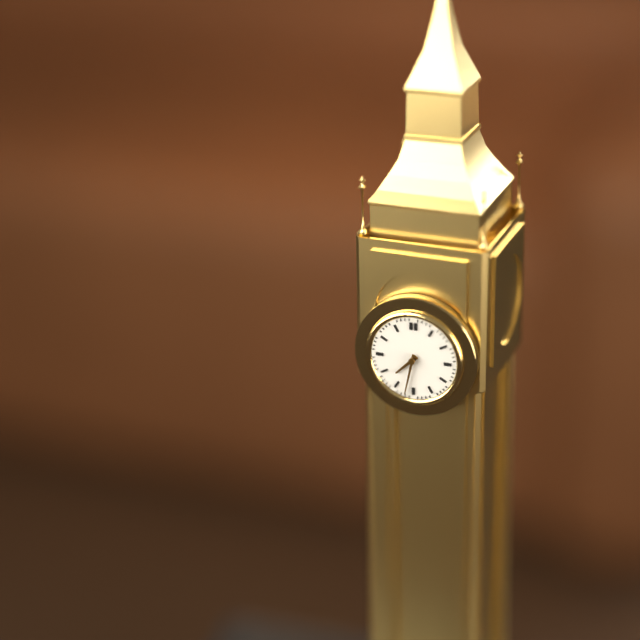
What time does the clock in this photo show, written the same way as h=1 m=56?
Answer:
h=7 m=32
